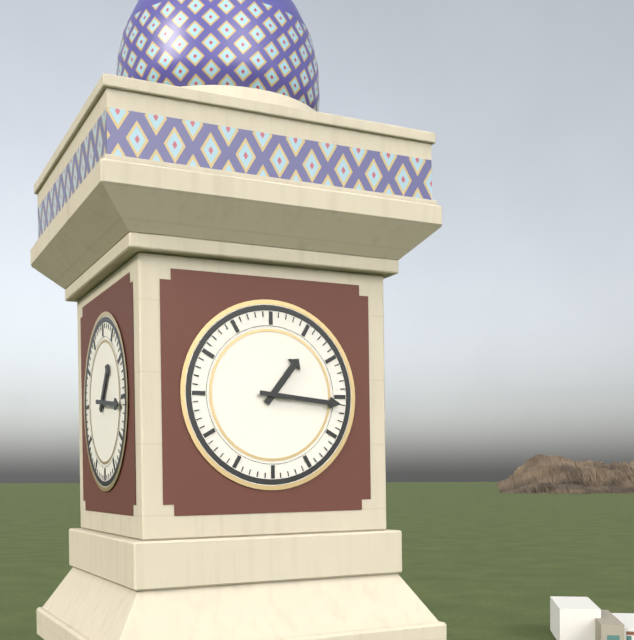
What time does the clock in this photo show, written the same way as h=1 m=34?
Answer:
h=1 m=16
